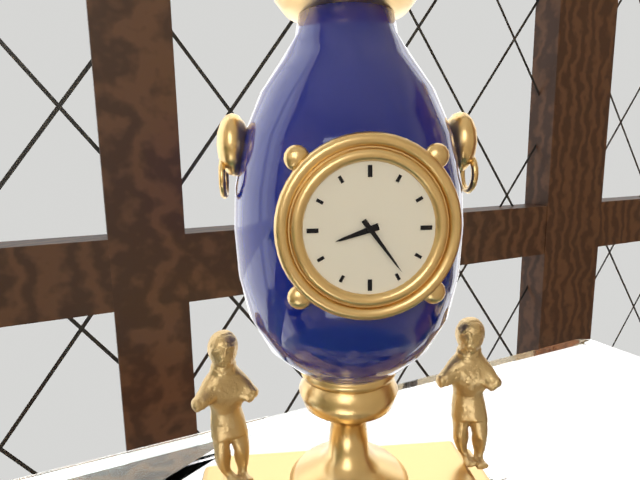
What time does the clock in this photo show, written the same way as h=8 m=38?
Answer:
h=8 m=24
